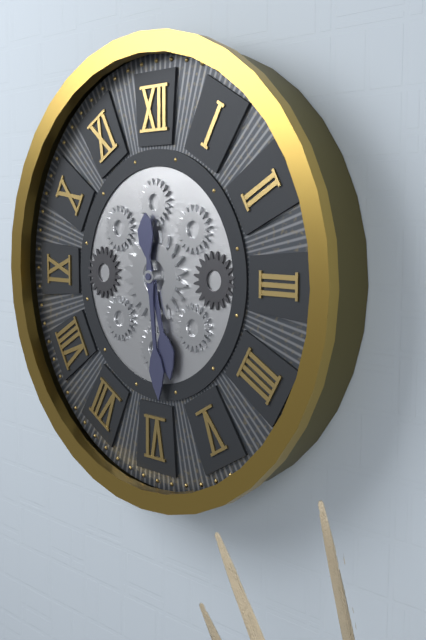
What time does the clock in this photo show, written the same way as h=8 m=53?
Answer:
h=5 m=29
